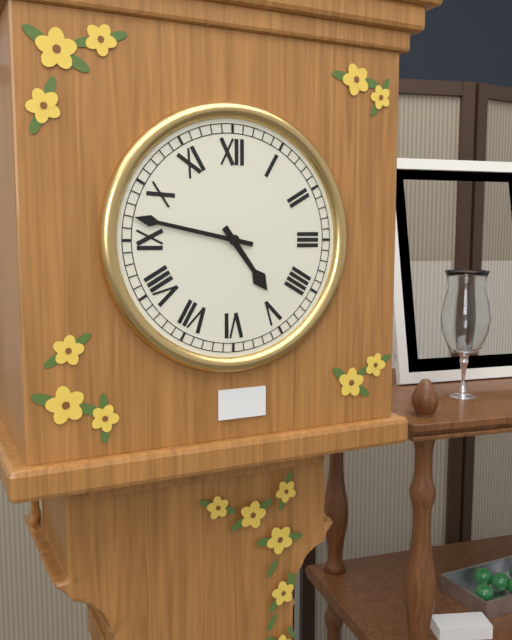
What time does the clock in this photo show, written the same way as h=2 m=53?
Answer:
h=4 m=47
